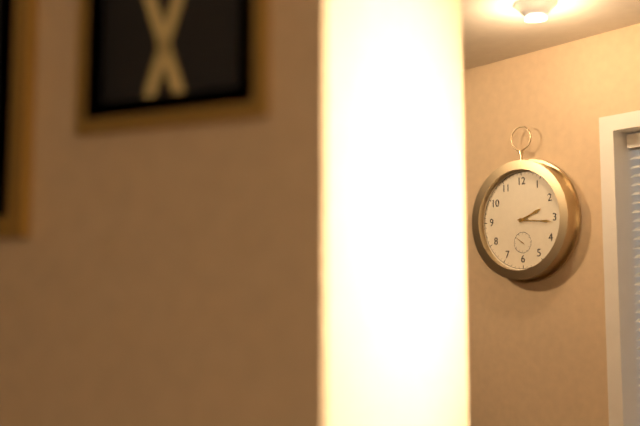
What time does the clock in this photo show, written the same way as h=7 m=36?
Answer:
h=2 m=16
